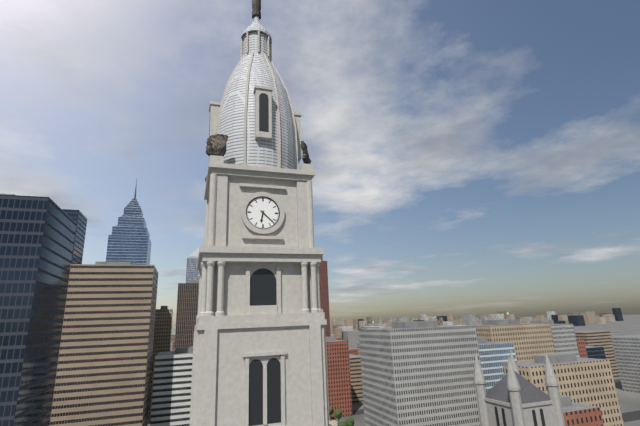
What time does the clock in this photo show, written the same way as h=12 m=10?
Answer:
h=6 m=22
